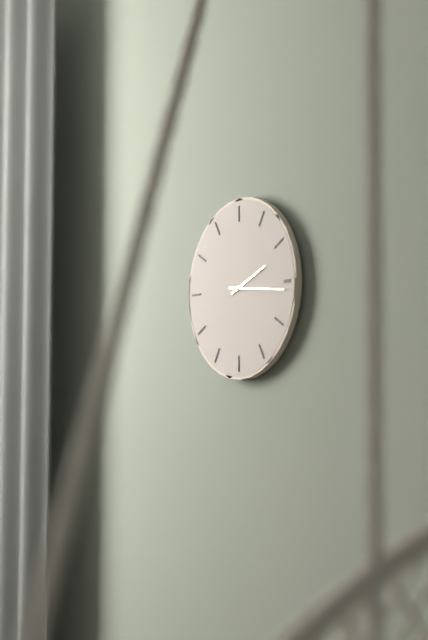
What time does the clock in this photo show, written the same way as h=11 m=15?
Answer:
h=2 m=16
